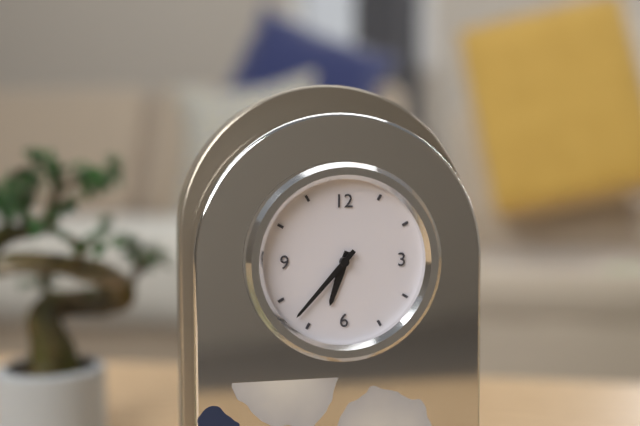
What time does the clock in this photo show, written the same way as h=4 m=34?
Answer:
h=6 m=37
